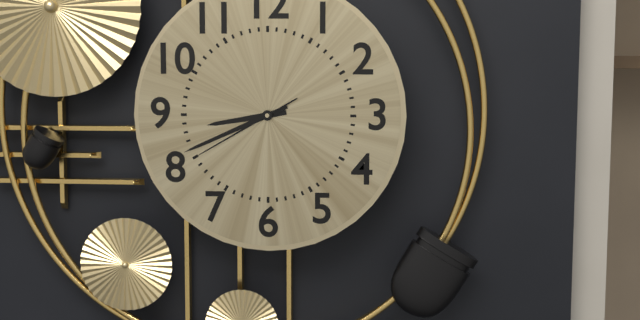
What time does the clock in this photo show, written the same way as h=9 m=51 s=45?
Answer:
h=8 m=41 s=40
